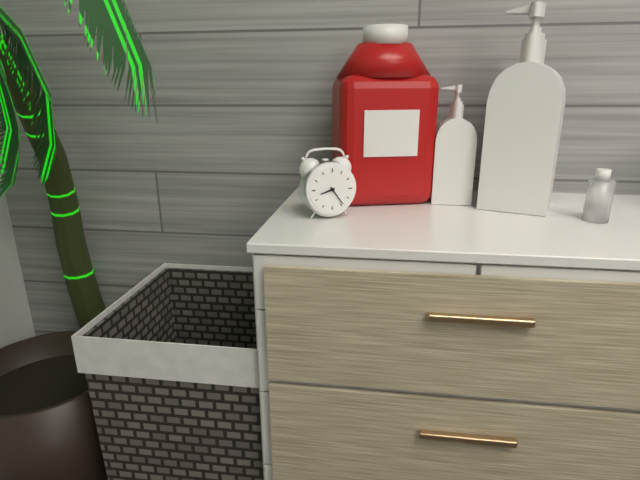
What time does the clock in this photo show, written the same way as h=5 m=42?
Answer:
h=8 m=24
